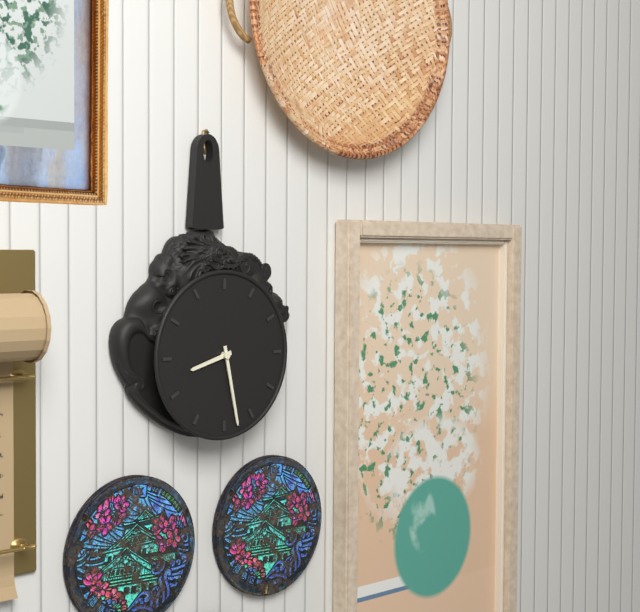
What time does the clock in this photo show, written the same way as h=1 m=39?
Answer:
h=8 m=28
